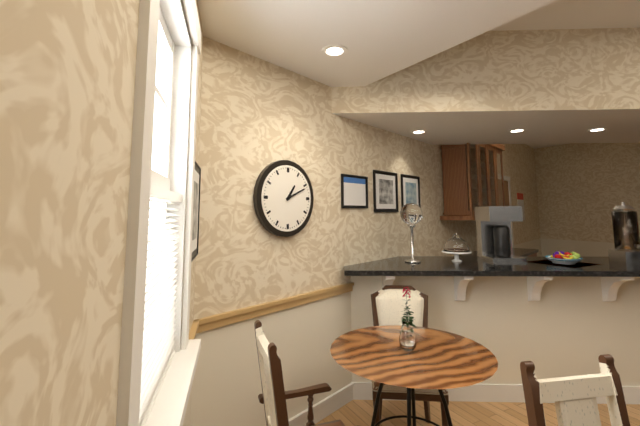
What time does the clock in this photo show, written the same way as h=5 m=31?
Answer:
h=1 m=11
